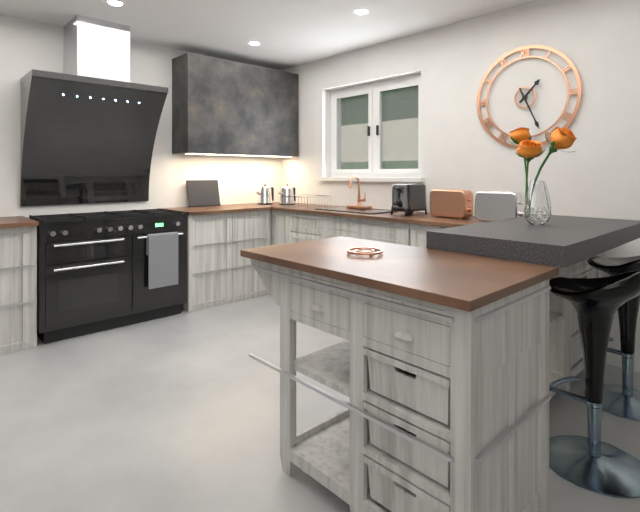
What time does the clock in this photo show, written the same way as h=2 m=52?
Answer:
h=1 m=26
